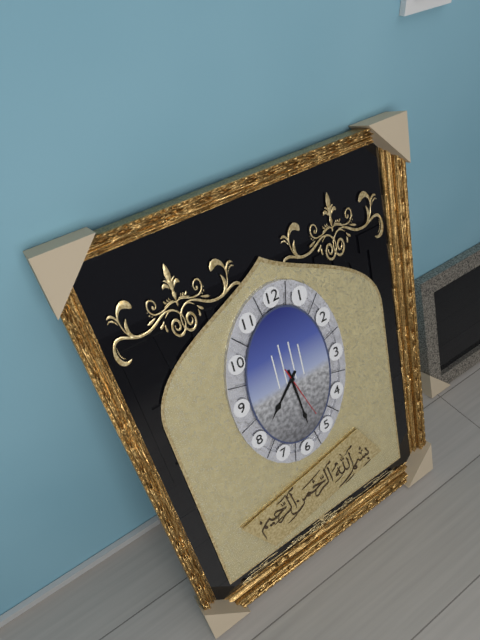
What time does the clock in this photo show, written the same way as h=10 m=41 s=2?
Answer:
h=7 m=29 s=27
